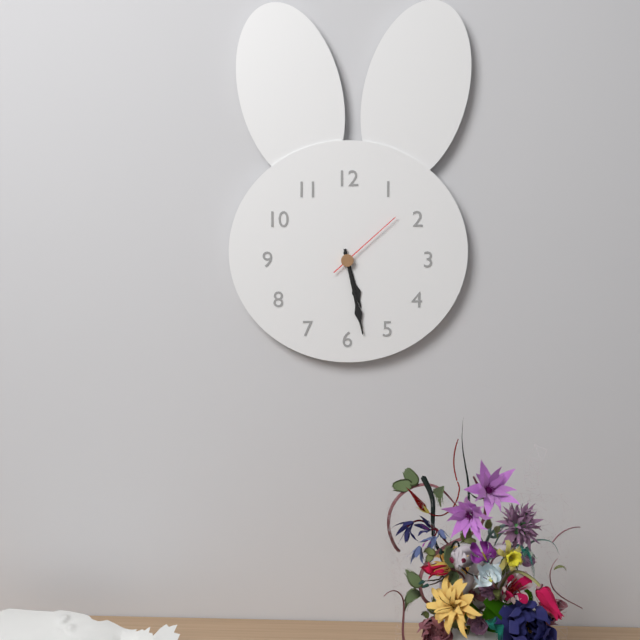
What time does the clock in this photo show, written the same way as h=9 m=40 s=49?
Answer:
h=5 m=28 s=8
